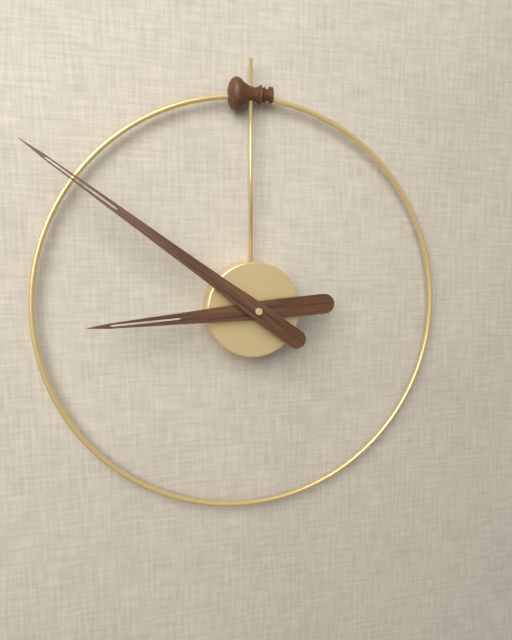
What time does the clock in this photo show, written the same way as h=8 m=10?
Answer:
h=8 m=51
